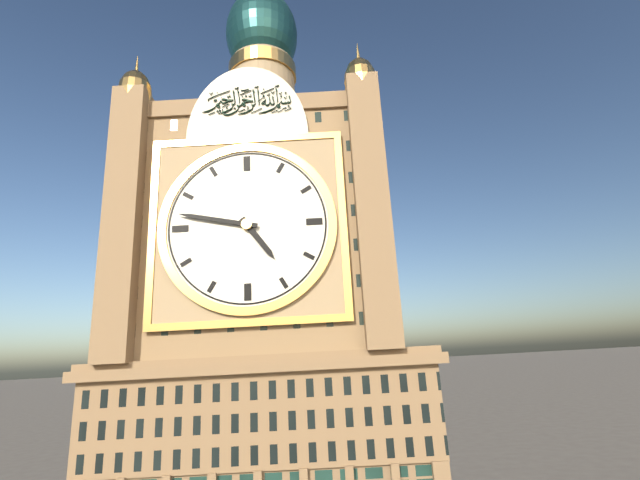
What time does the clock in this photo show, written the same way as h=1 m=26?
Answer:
h=4 m=47
